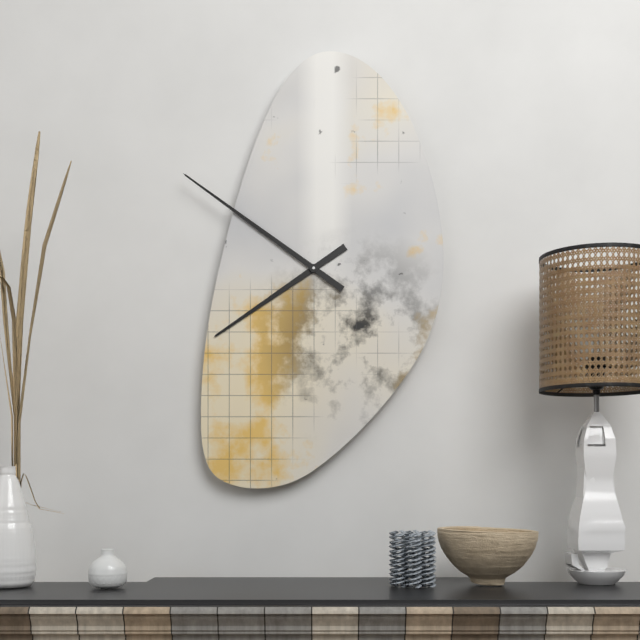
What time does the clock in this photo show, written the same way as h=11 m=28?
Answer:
h=7 m=51
